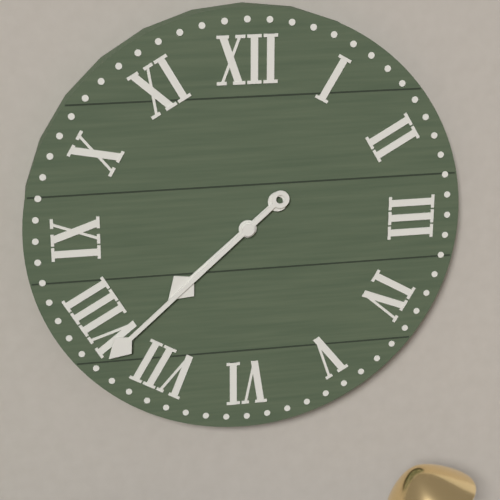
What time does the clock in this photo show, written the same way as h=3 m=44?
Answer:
h=7 m=38
